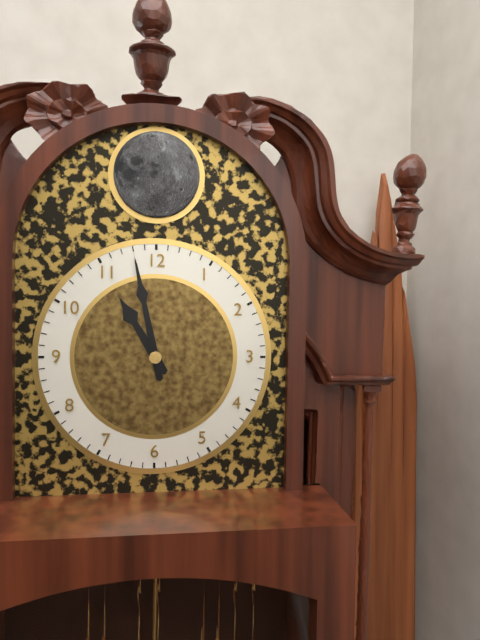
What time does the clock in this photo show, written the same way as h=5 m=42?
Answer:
h=10 m=58
